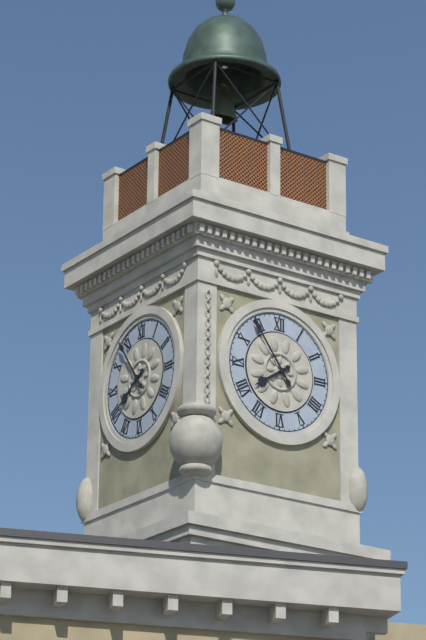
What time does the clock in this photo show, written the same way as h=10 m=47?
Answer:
h=7 m=54
